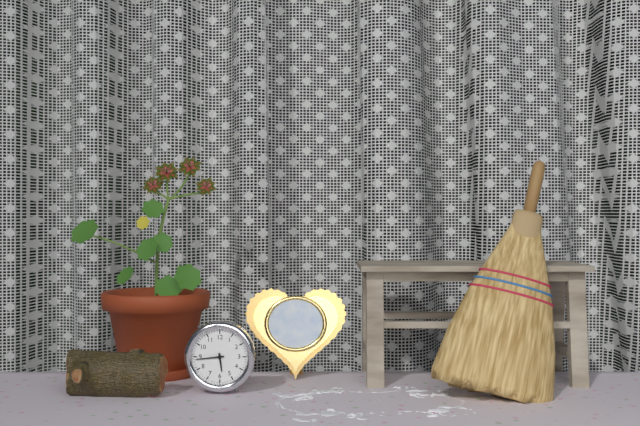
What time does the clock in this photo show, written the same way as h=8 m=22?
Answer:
h=5 m=44
